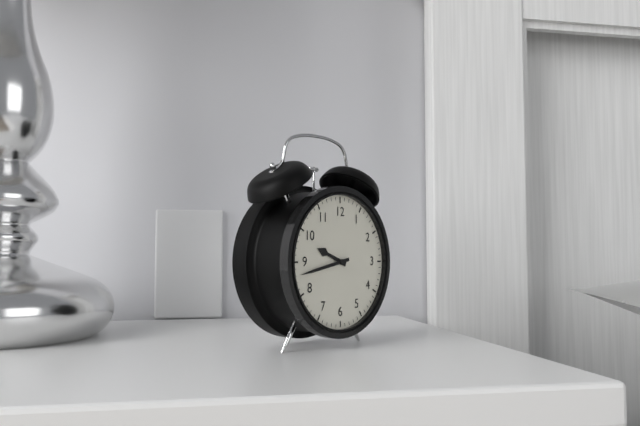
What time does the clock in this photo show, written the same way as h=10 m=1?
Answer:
h=9 m=43
